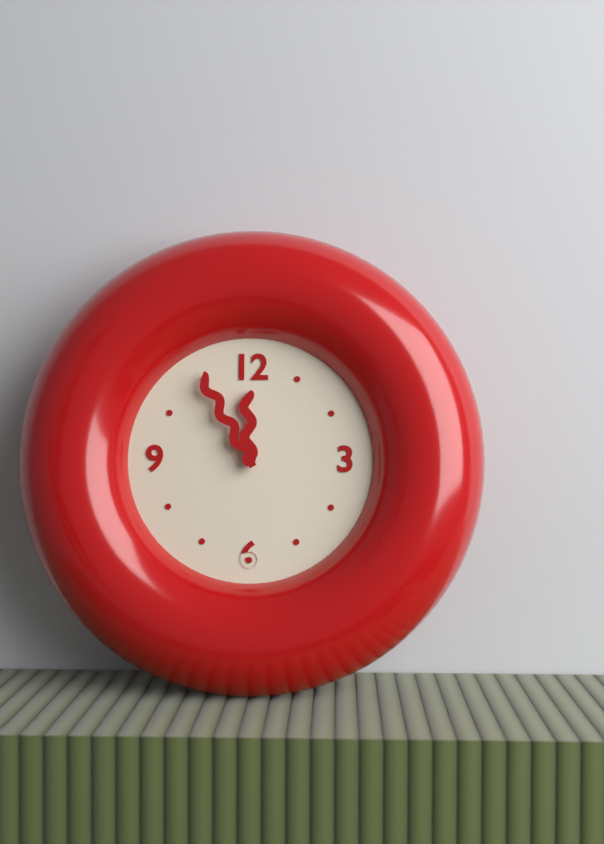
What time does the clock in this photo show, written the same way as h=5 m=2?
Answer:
h=11 m=55
